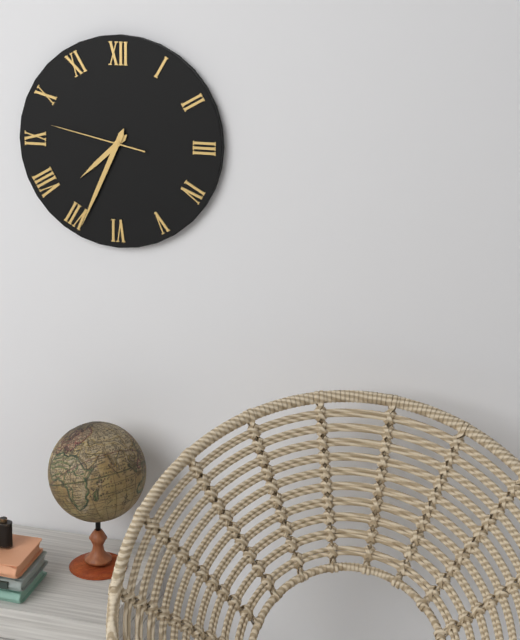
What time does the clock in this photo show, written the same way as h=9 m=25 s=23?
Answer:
h=7 m=34 s=47
